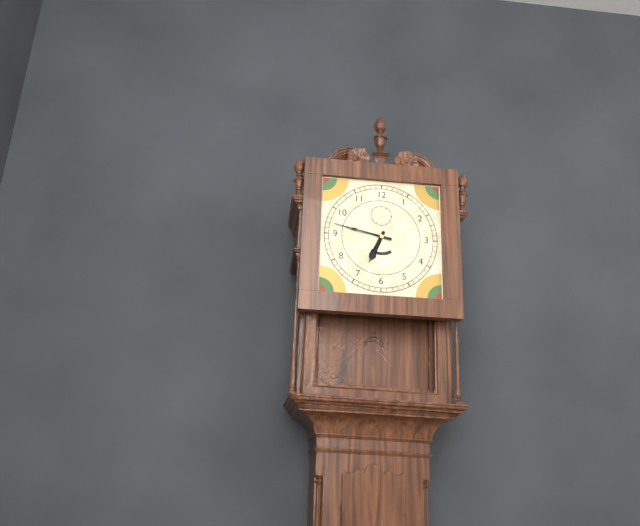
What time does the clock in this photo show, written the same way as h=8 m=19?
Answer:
h=6 m=47
